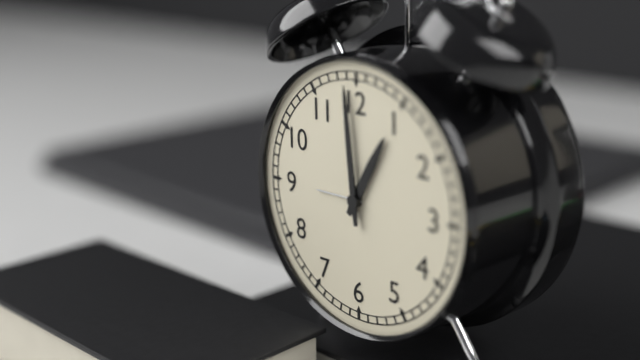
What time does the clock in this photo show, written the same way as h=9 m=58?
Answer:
h=12 m=59
